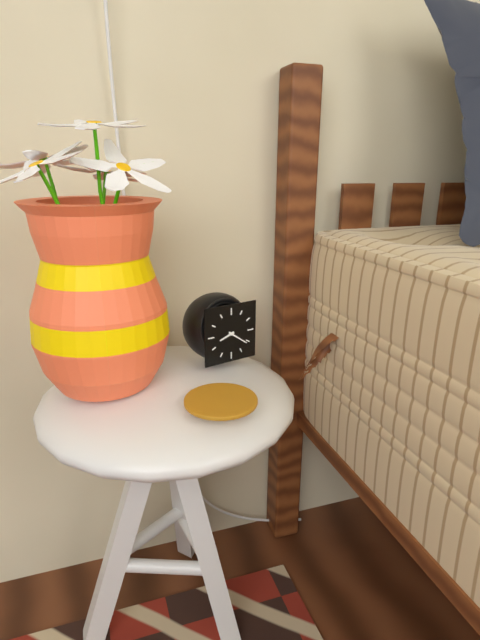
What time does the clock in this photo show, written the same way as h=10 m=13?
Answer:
h=8 m=21
